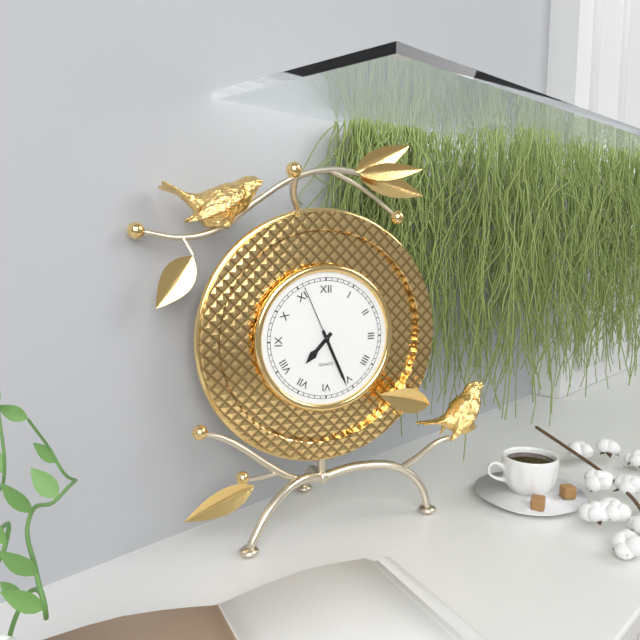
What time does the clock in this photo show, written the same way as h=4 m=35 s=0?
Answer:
h=7 m=26 s=56
